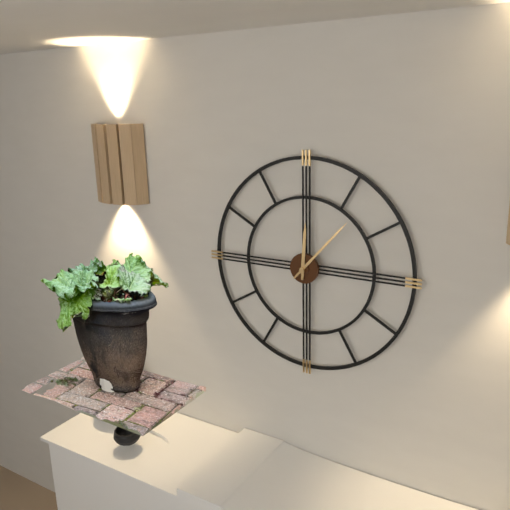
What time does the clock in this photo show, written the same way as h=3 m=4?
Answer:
h=12 m=7
